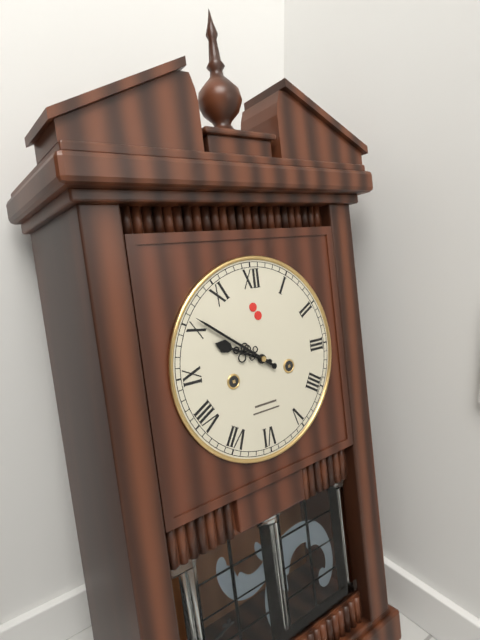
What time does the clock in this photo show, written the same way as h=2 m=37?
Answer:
h=9 m=51
